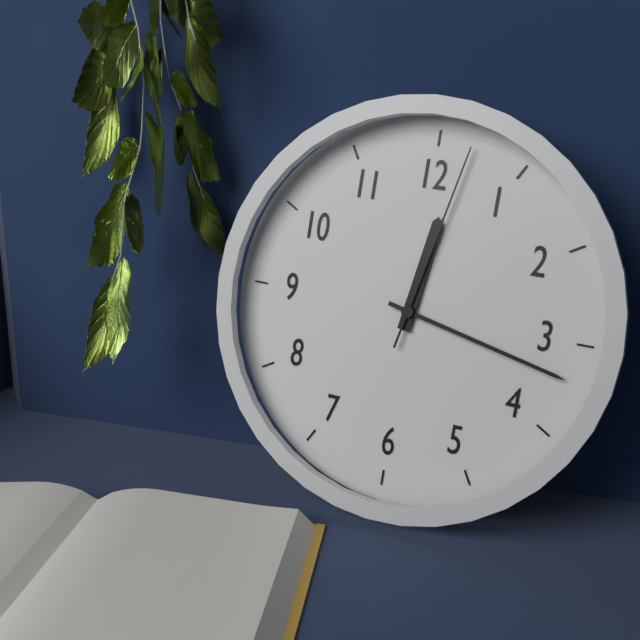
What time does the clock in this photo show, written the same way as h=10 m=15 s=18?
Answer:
h=12 m=17 s=2
